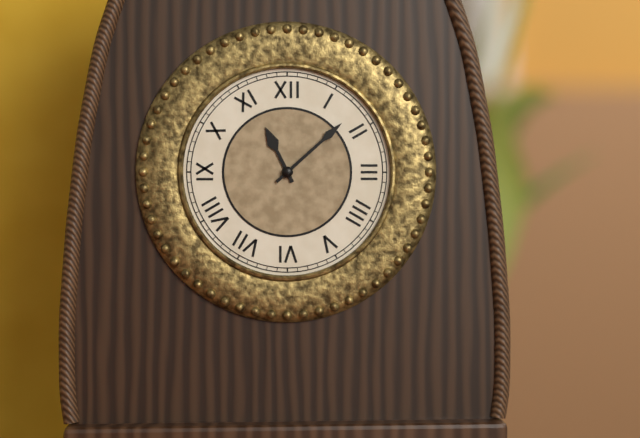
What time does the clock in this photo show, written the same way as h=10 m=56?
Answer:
h=11 m=8
